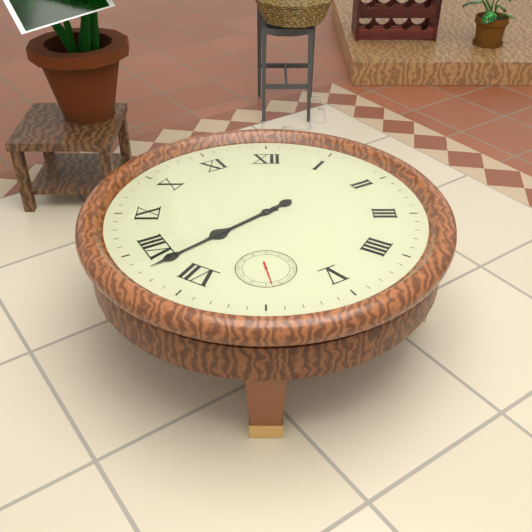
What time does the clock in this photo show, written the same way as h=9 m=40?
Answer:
h=7 m=38
